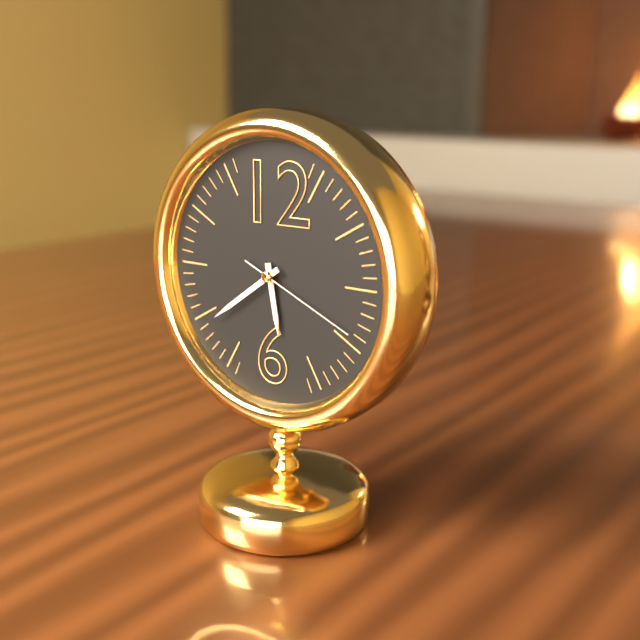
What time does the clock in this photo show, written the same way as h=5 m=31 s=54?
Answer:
h=5 m=39 s=19
